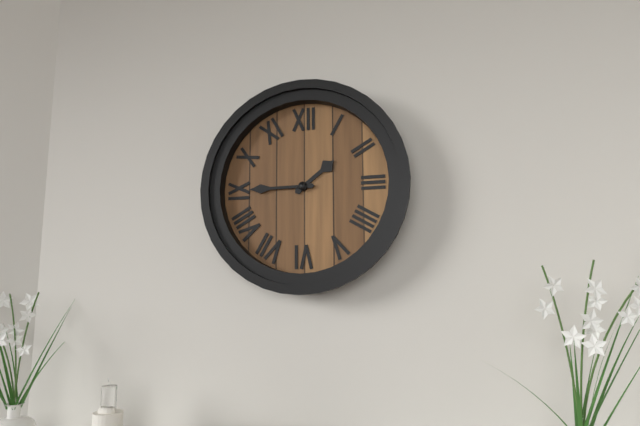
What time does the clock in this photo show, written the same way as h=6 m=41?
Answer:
h=1 m=45
